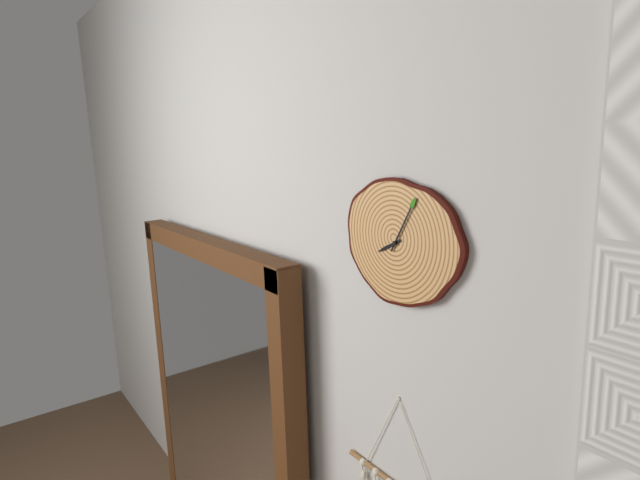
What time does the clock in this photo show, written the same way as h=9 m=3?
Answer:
h=8 m=5
